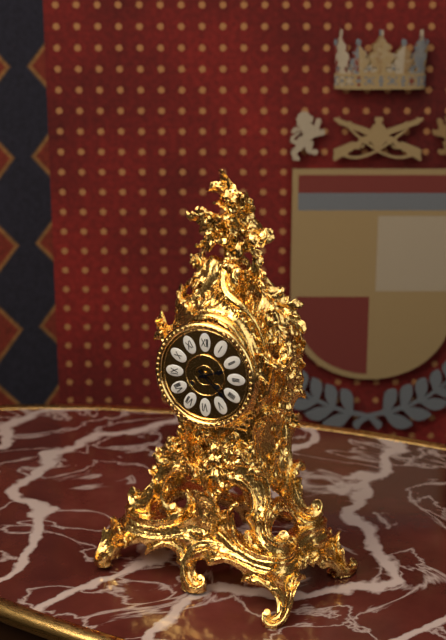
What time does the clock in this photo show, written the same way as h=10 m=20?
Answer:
h=2 m=22
